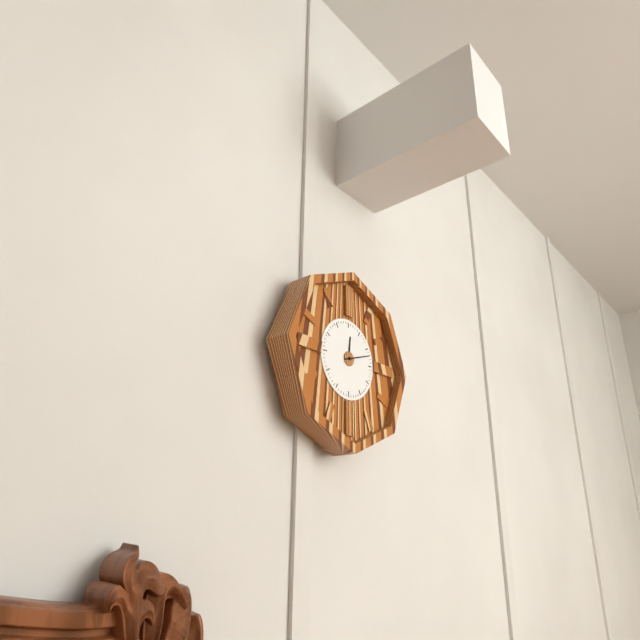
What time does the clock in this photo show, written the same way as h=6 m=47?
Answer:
h=12 m=12
